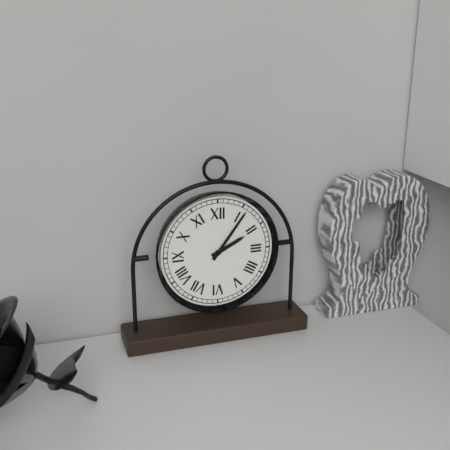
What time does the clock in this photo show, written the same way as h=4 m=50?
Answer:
h=2 m=6
